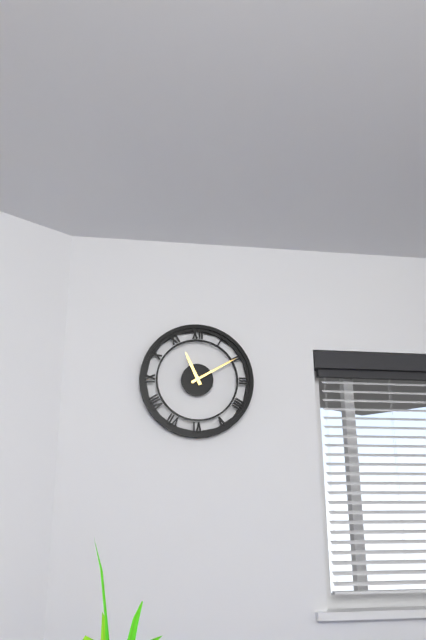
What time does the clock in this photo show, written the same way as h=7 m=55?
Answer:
h=11 m=10
